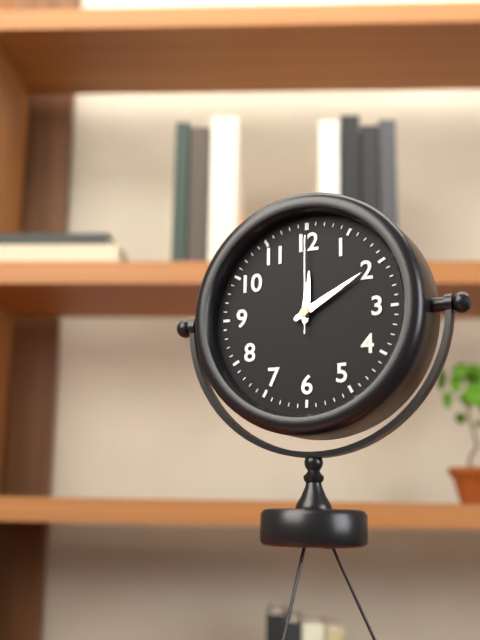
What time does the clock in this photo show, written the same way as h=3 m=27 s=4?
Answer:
h=12 m=10 s=0
